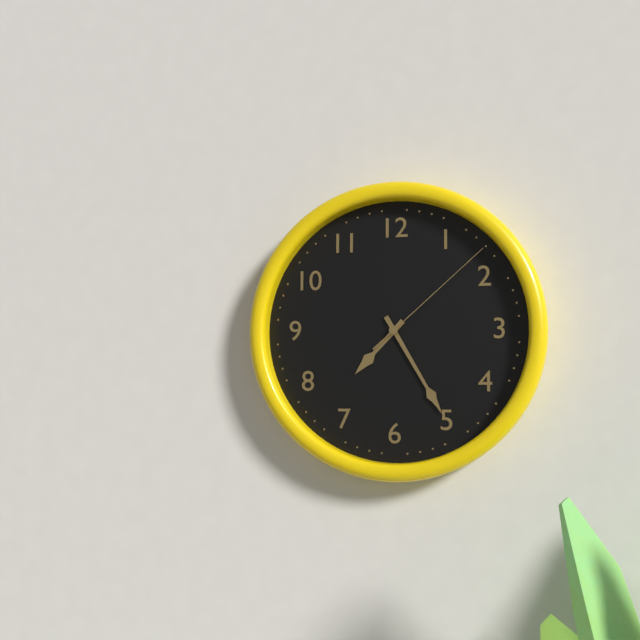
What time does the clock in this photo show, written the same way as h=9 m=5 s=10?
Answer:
h=7 m=25 s=8
